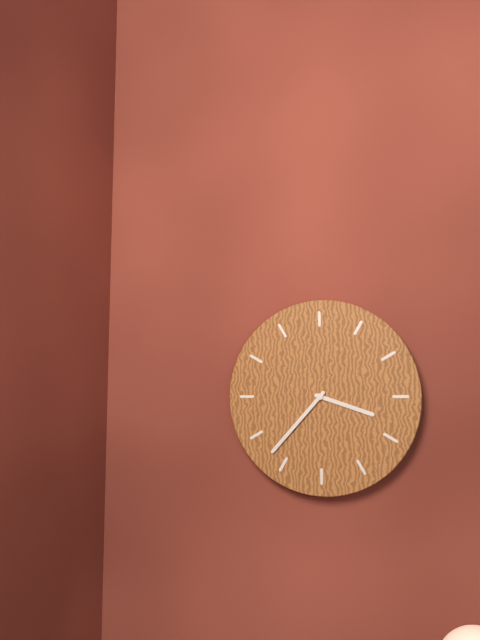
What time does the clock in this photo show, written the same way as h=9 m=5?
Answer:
h=3 m=37
